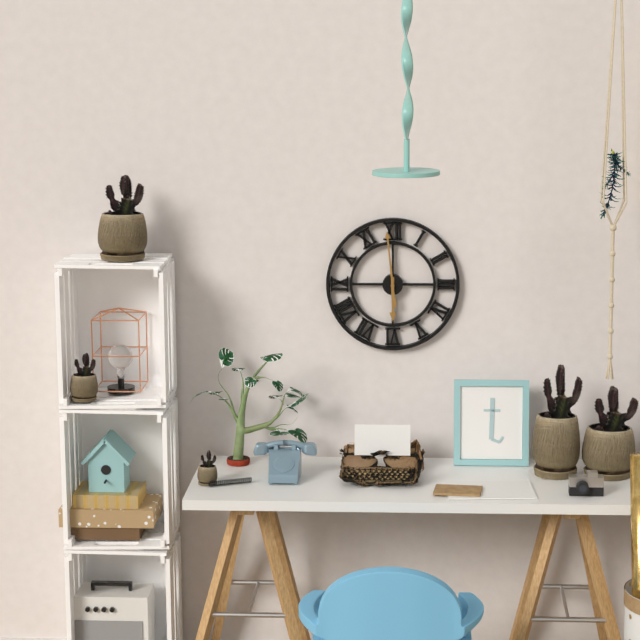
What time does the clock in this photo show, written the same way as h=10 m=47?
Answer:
h=5 m=59
